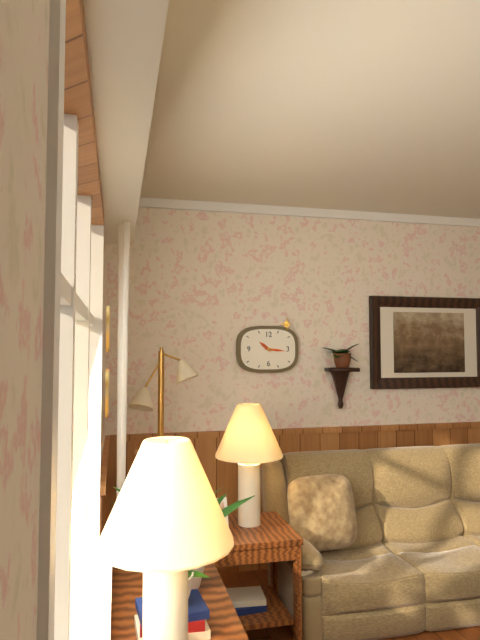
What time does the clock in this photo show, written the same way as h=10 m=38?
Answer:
h=10 m=16
